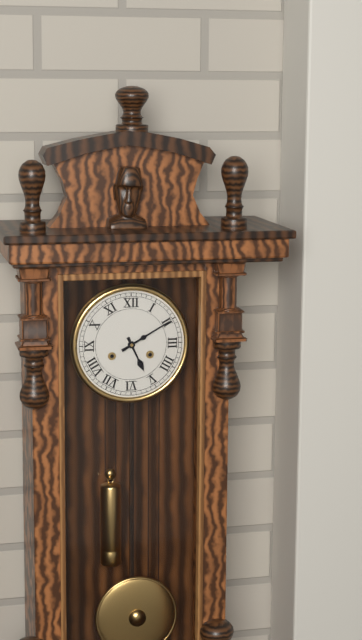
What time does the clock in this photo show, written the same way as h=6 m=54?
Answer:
h=5 m=10
